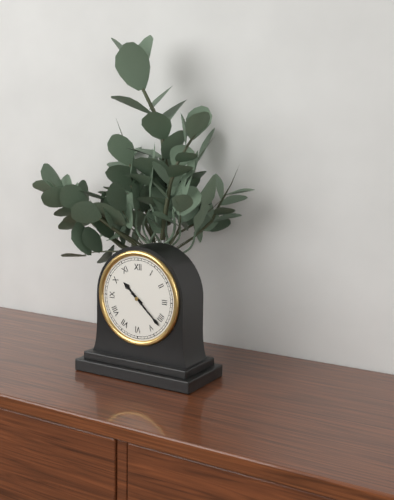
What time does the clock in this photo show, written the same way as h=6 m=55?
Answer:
h=10 m=22
